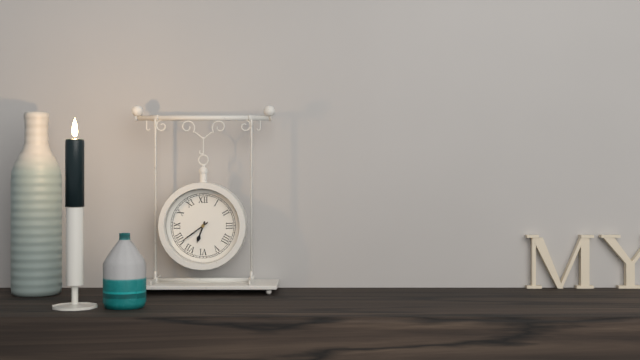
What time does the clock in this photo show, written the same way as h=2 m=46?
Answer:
h=6 m=39
